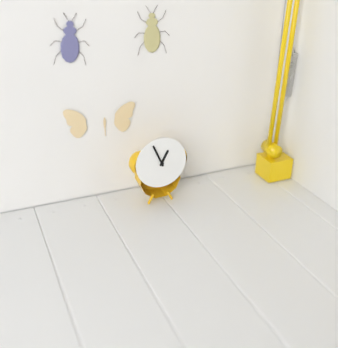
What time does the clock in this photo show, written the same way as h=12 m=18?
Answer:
h=12 m=56
